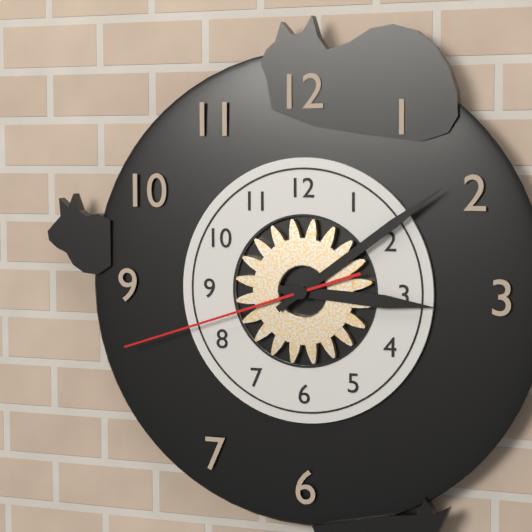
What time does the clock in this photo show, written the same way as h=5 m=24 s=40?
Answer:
h=3 m=9 s=42
